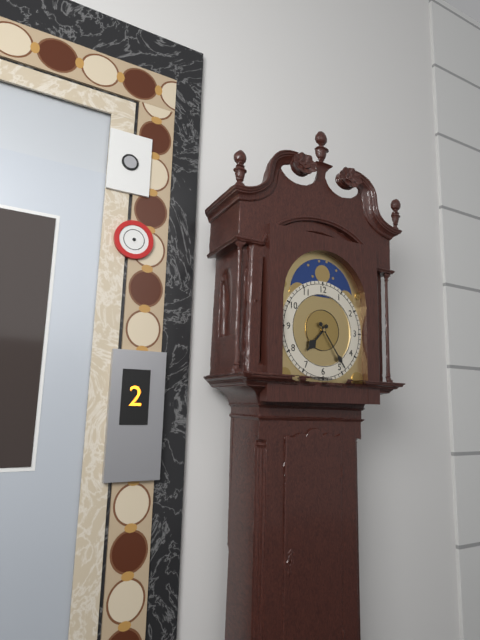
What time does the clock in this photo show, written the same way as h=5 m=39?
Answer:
h=7 m=24
